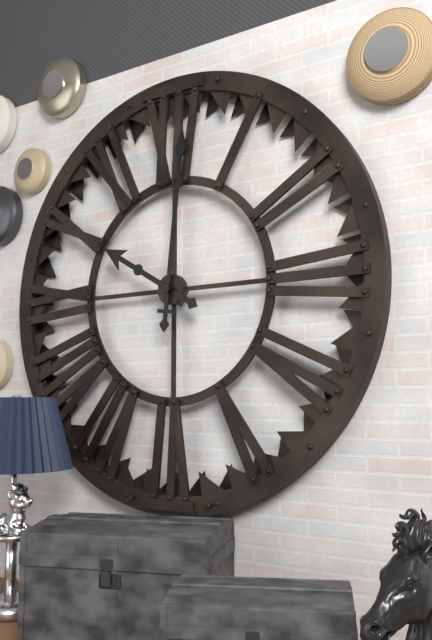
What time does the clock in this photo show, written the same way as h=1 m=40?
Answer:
h=10 m=1
